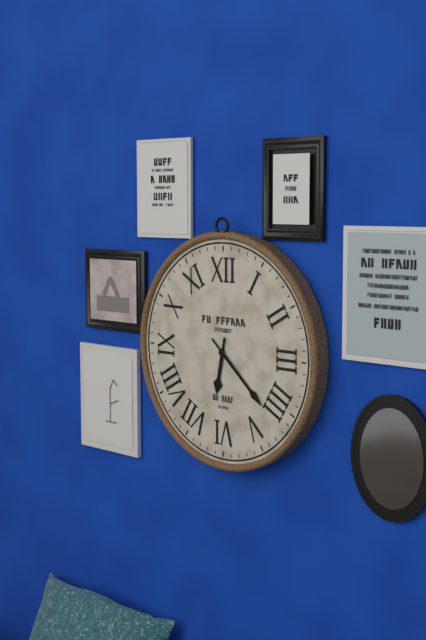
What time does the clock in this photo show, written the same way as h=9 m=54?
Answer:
h=6 m=22
